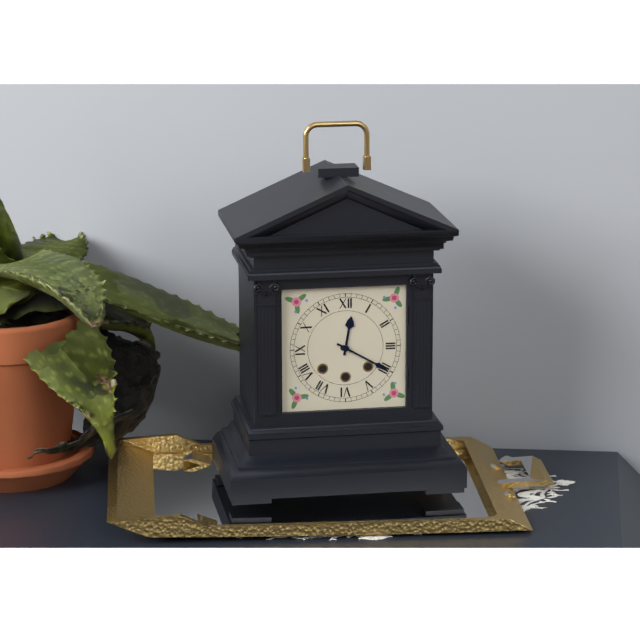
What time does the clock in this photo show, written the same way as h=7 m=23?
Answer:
h=12 m=20
